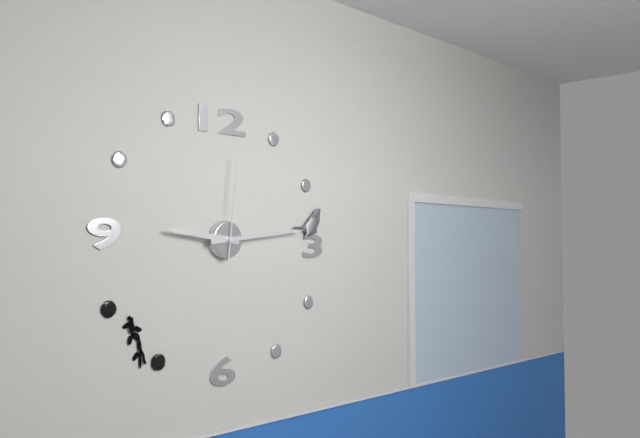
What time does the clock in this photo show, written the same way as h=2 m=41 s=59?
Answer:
h=9 m=14 s=1
